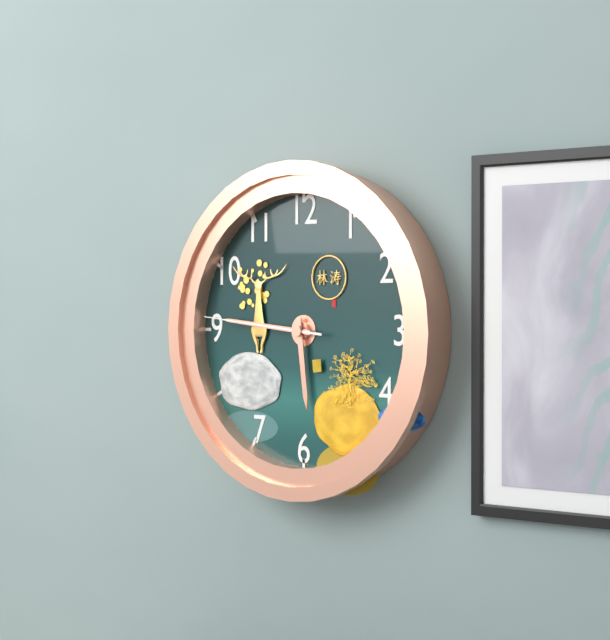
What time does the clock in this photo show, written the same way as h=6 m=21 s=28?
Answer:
h=5 m=46 s=46
